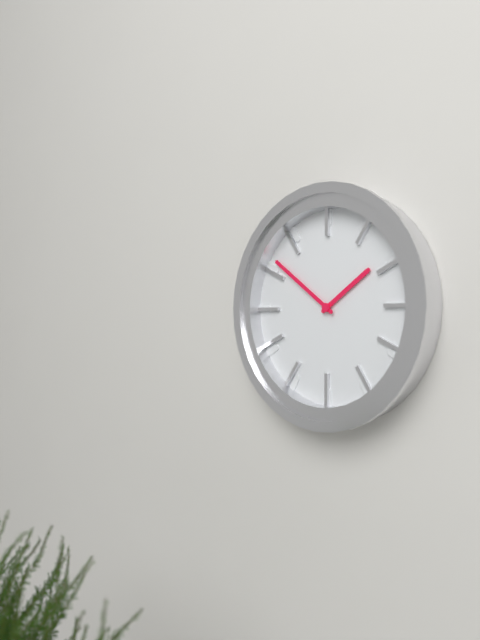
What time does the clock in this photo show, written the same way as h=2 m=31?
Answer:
h=1 m=51
